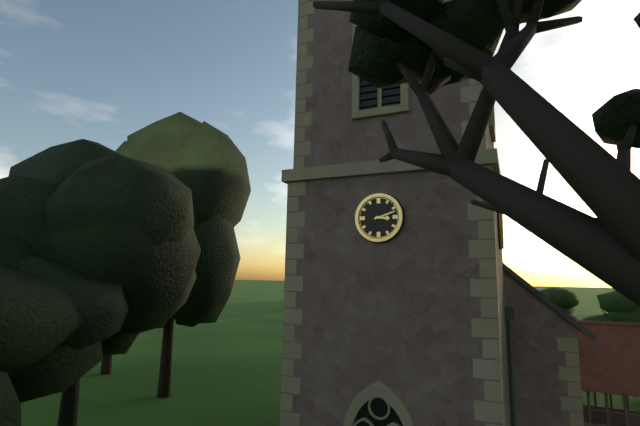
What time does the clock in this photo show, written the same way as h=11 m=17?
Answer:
h=3 m=12
